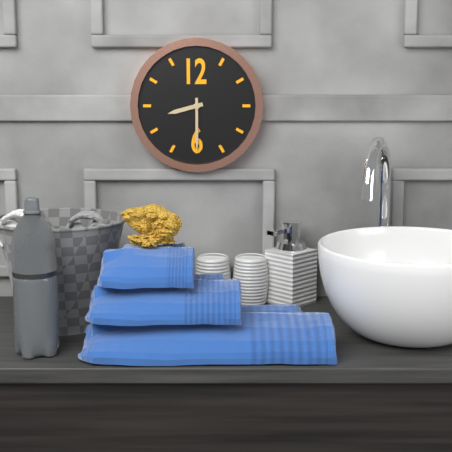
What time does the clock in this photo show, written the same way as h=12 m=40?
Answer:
h=8 m=30
